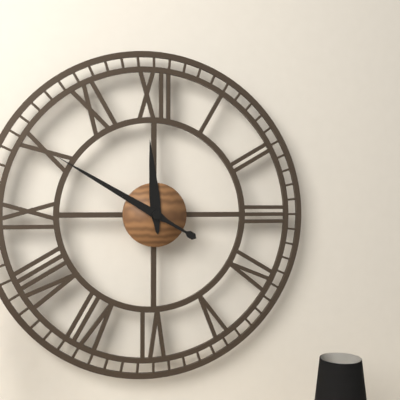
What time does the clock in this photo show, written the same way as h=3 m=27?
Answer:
h=11 m=50
